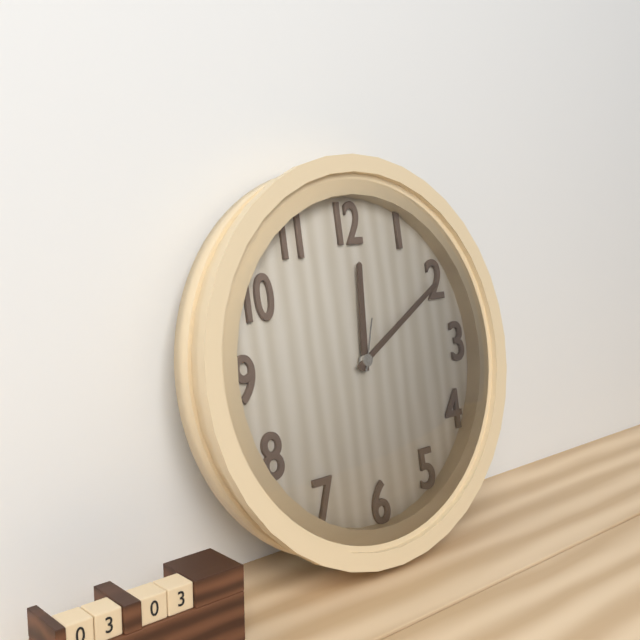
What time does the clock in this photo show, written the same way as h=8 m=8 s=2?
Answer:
h=12 m=10 s=3
